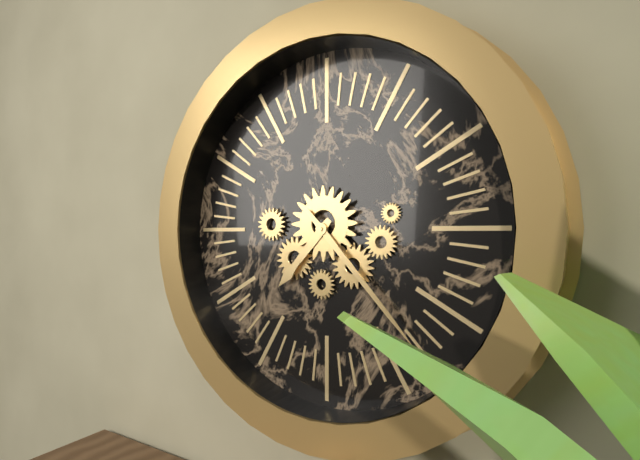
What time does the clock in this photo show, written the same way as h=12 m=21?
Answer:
h=7 m=23
